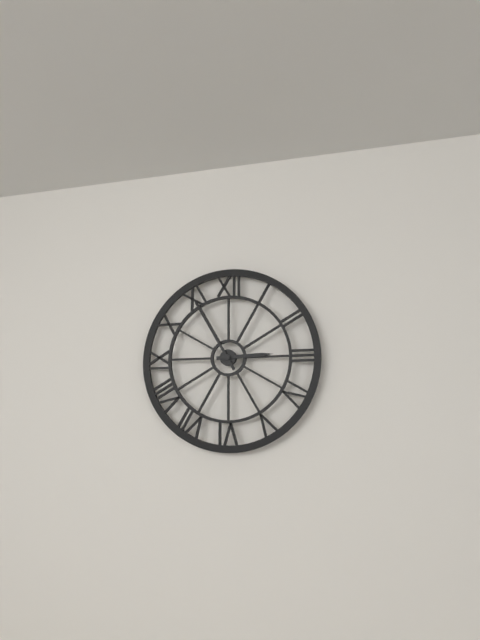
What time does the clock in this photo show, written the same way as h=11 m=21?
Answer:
h=2 m=55
